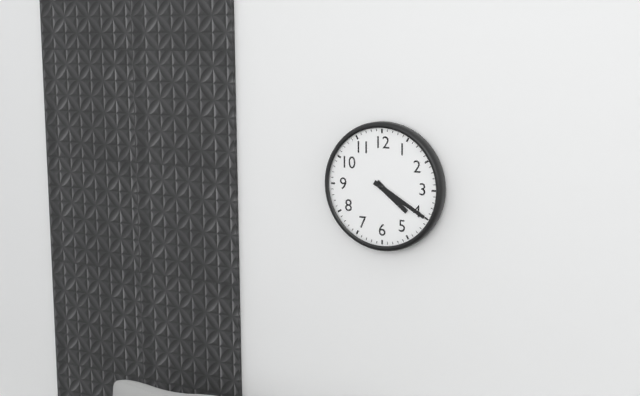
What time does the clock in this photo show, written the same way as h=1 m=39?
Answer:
h=4 m=20
